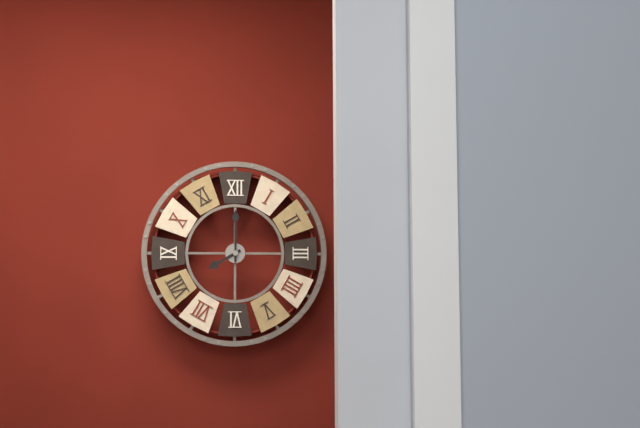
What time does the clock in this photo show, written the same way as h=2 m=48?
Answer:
h=8 m=0
